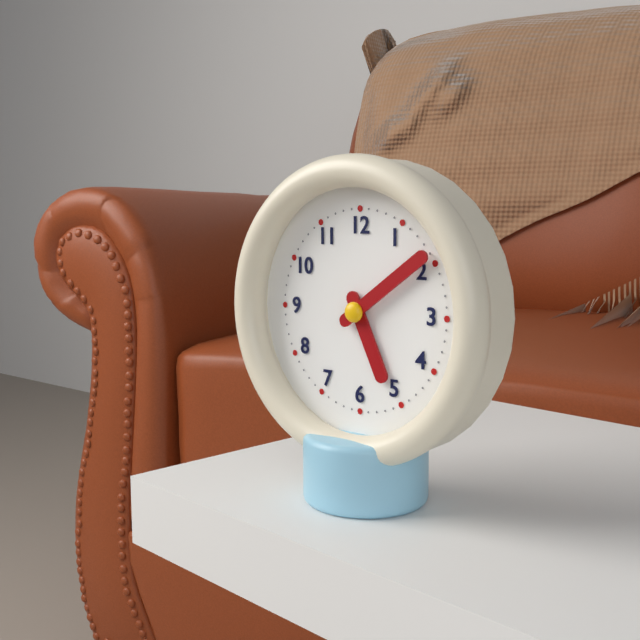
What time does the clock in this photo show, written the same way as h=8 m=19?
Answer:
h=5 m=9
